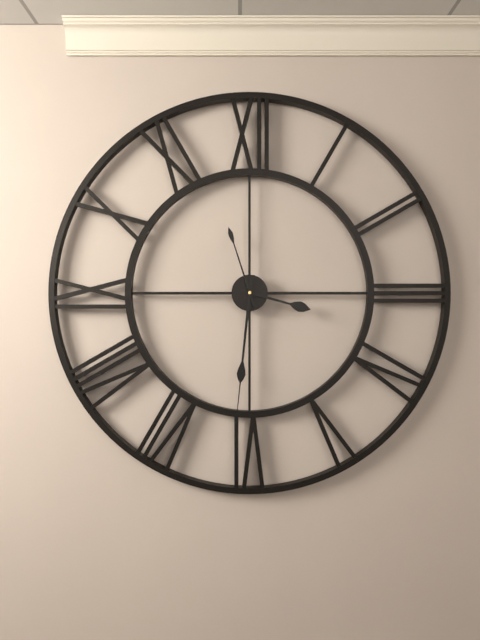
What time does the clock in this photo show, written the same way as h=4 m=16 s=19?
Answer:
h=3 m=31 s=57
